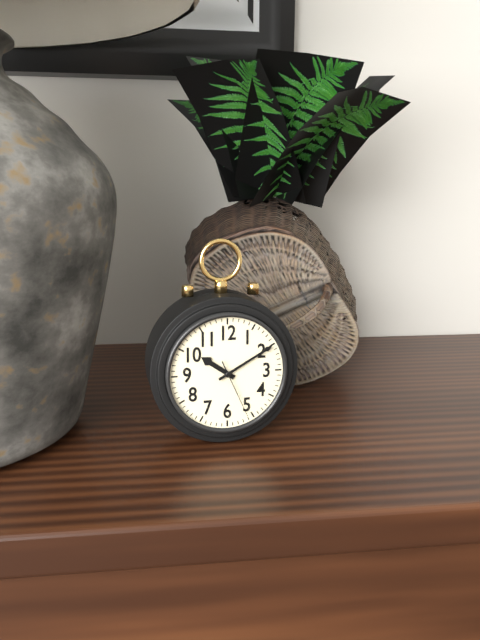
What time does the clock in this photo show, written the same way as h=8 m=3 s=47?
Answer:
h=10 m=10 s=26
